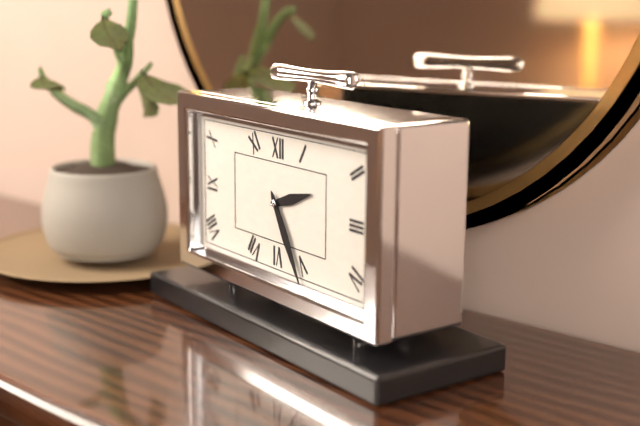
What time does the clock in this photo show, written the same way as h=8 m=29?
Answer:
h=2 m=25
